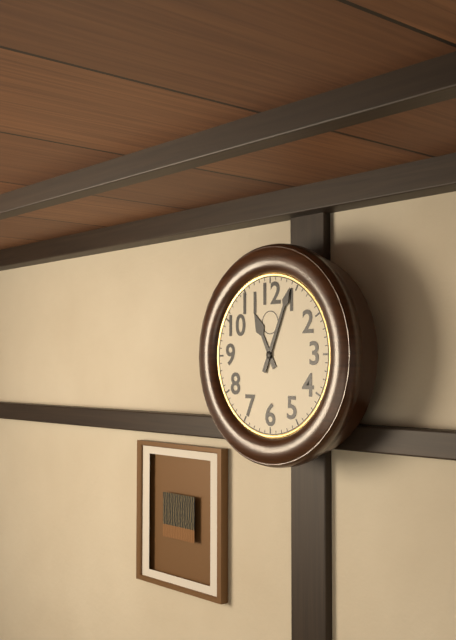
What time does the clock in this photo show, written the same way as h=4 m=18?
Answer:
h=11 m=4
